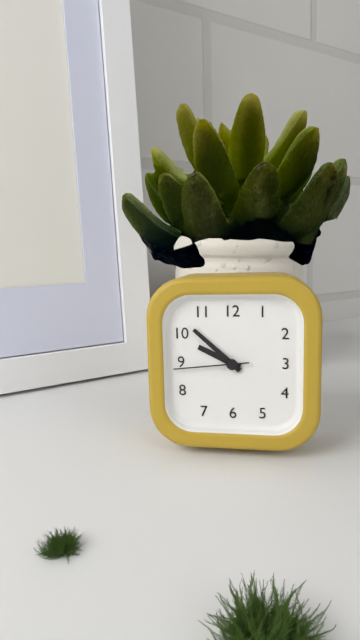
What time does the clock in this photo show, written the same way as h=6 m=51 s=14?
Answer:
h=9 m=52 s=44
